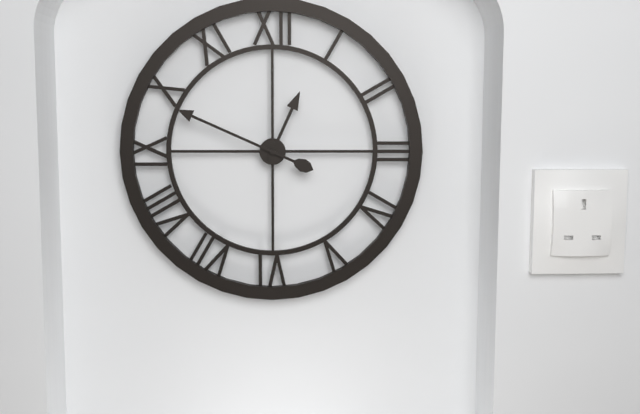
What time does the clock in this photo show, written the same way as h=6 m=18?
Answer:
h=12 m=49
